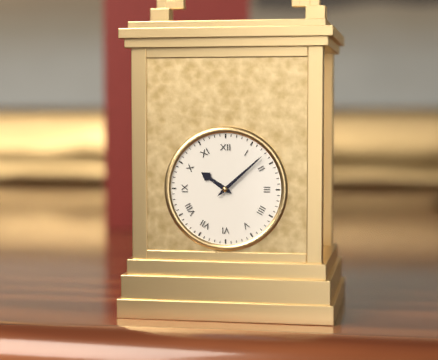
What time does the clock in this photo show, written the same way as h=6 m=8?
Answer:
h=10 m=8
